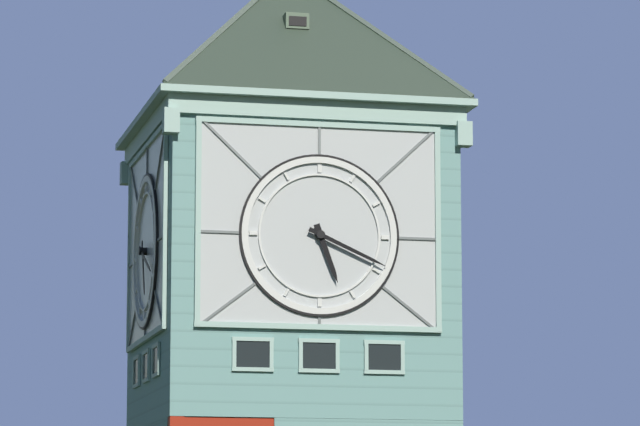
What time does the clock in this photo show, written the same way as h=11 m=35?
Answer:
h=5 m=19
